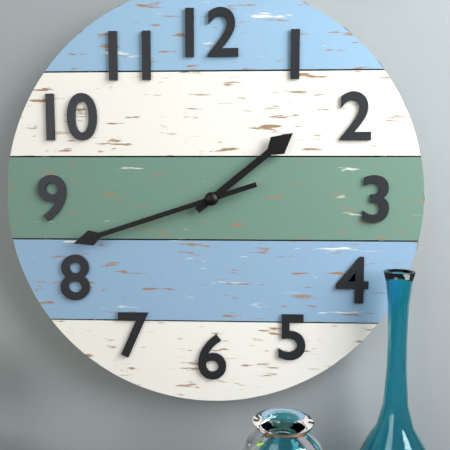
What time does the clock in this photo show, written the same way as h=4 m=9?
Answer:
h=1 m=42
